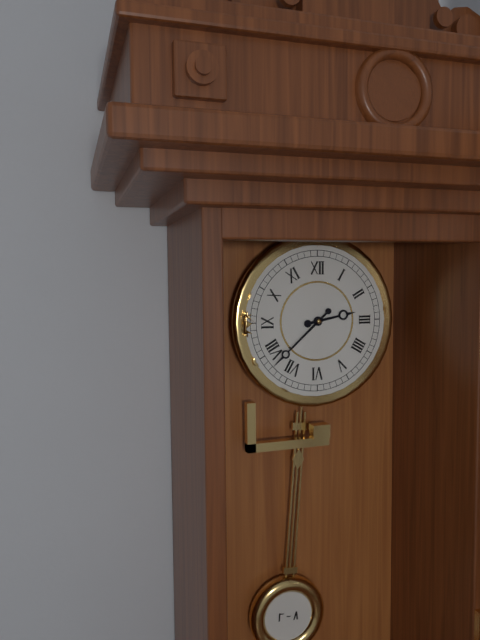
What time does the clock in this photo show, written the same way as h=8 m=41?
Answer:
h=2 m=38
